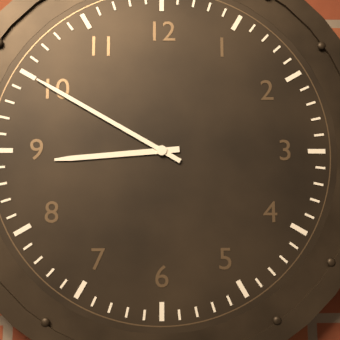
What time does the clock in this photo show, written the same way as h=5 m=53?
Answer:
h=8 m=50
